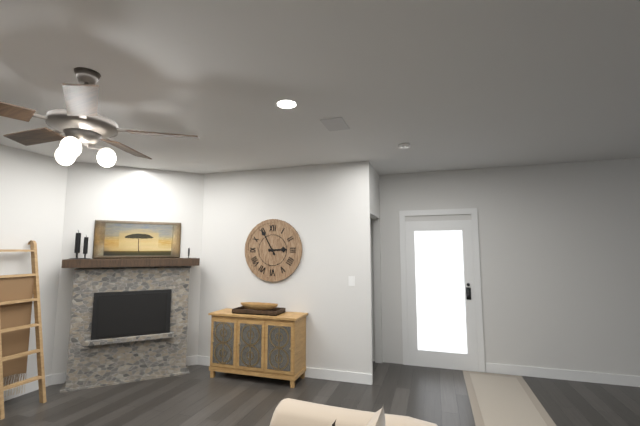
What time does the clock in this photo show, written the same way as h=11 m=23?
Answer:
h=2 m=55
